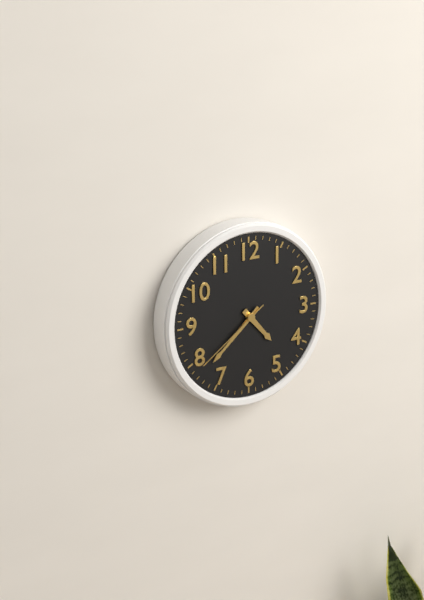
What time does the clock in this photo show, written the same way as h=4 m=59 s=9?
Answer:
h=4 m=38 s=39
